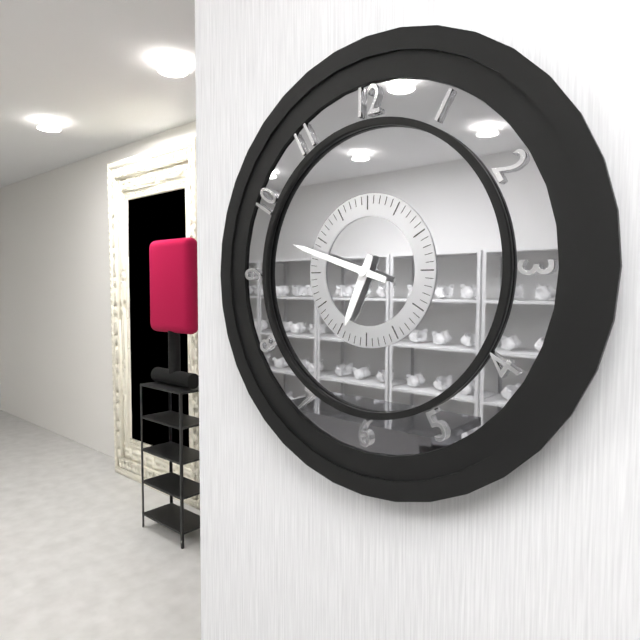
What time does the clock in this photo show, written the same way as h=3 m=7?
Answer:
h=6 m=48
